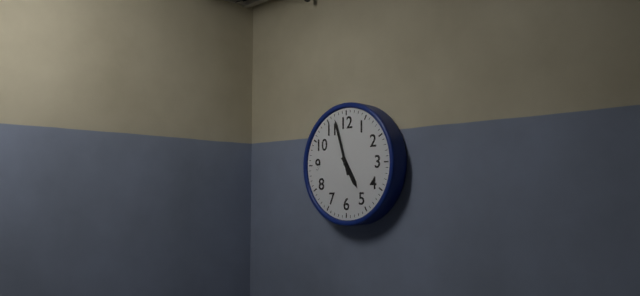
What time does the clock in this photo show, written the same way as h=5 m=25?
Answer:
h=4 m=57
